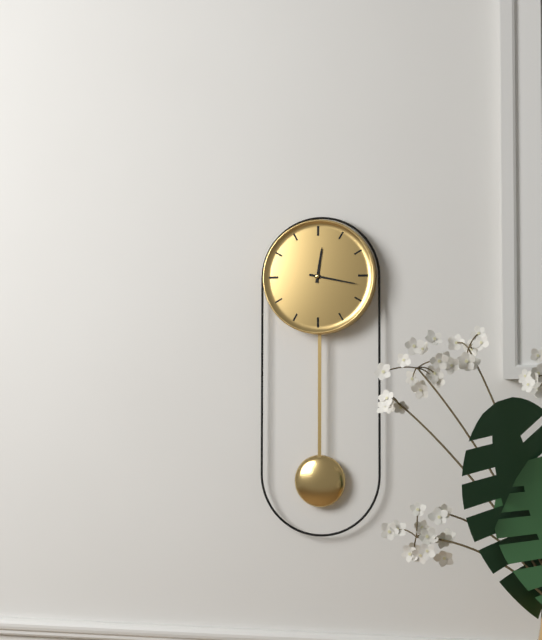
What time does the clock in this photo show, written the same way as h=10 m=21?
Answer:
h=12 m=17
